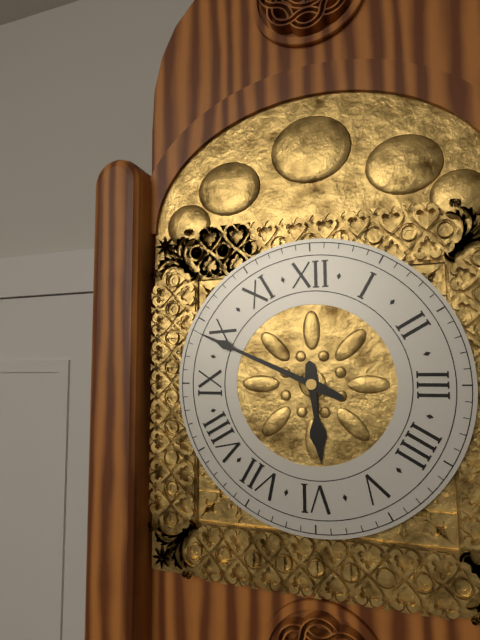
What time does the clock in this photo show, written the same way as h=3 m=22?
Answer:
h=5 m=49
